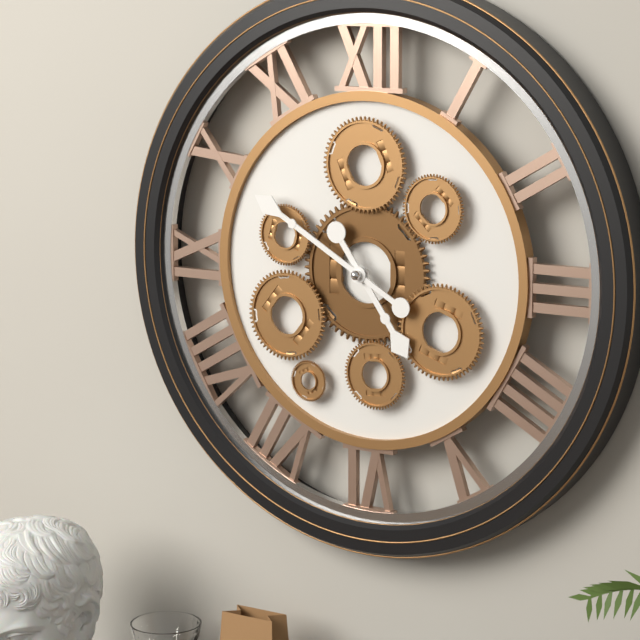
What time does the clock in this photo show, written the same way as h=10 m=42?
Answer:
h=4 m=50
